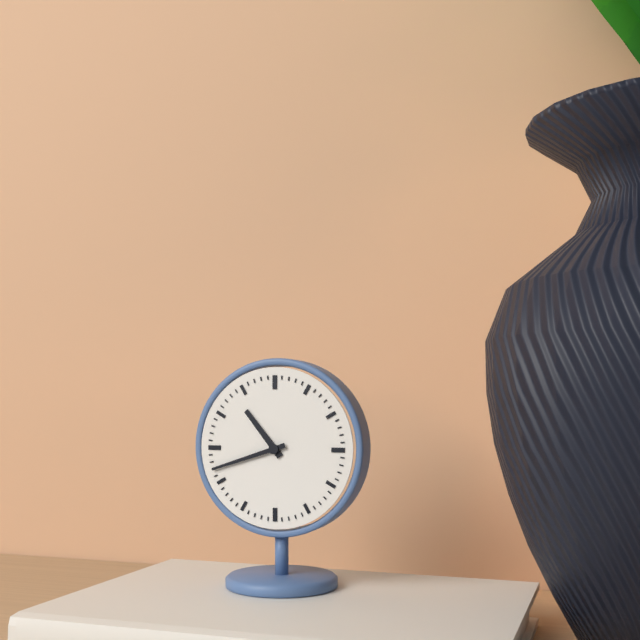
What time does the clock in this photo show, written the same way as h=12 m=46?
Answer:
h=10 m=42
